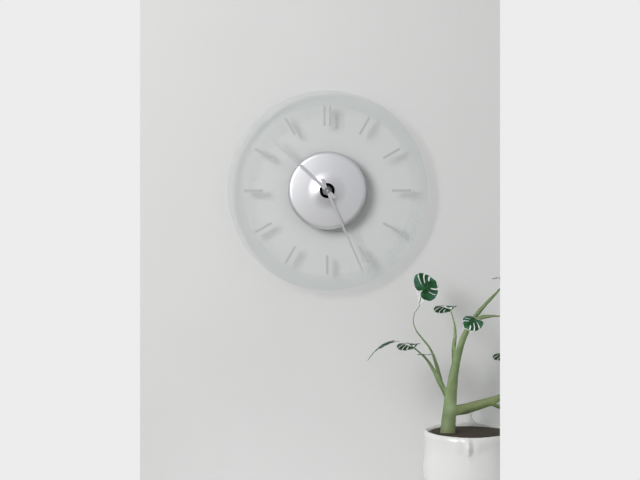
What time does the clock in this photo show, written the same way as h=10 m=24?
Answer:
h=10 m=26
